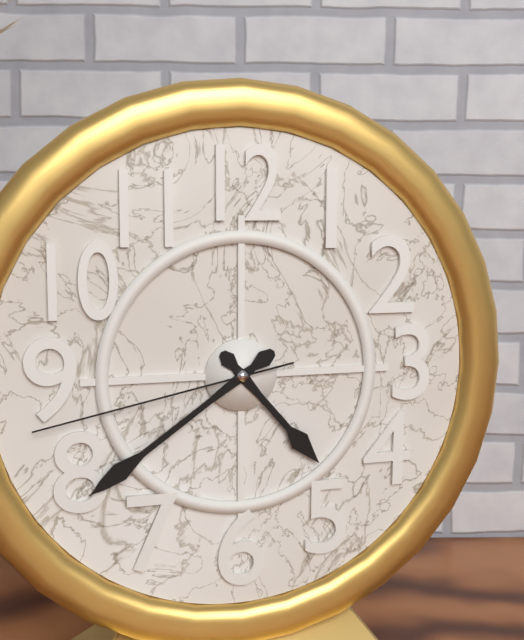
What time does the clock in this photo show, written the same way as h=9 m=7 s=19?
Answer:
h=4 m=39 s=43
